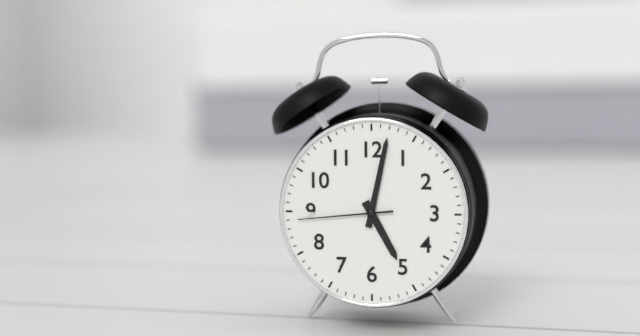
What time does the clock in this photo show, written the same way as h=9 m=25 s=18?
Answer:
h=5 m=2 s=44
